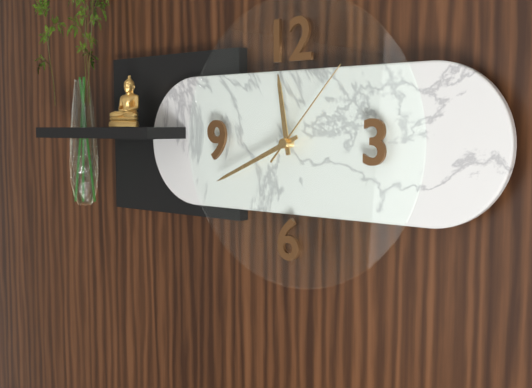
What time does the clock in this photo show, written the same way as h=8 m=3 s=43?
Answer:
h=11 m=41 s=7
